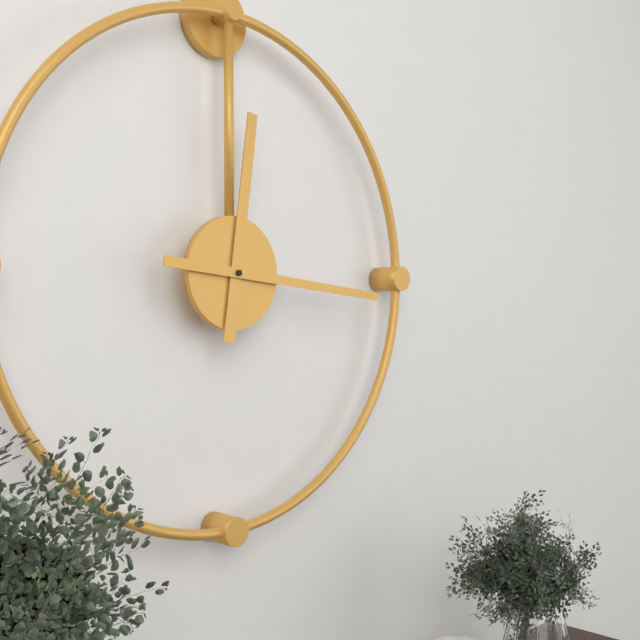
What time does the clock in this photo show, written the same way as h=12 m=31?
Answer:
h=12 m=16
